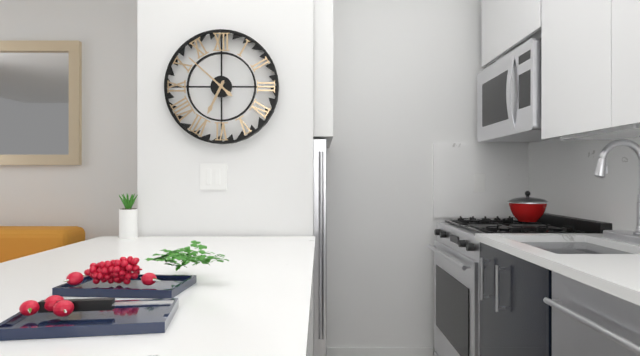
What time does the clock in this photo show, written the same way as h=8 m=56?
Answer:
h=6 m=52
